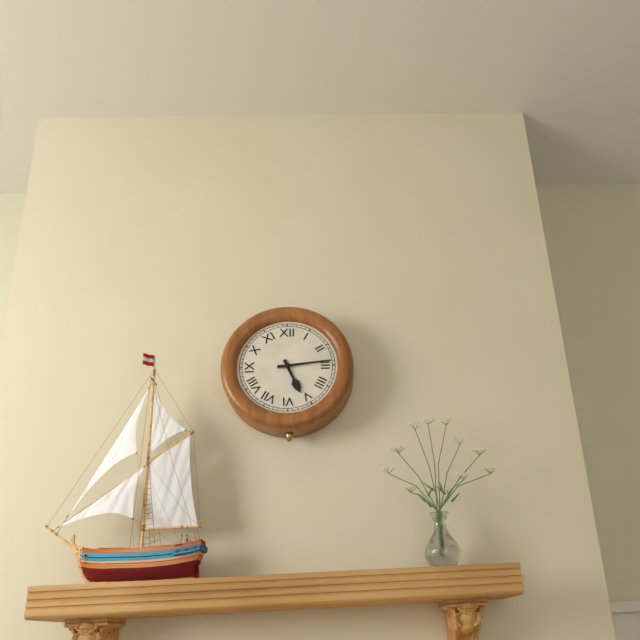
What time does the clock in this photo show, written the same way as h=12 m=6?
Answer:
h=5 m=14
